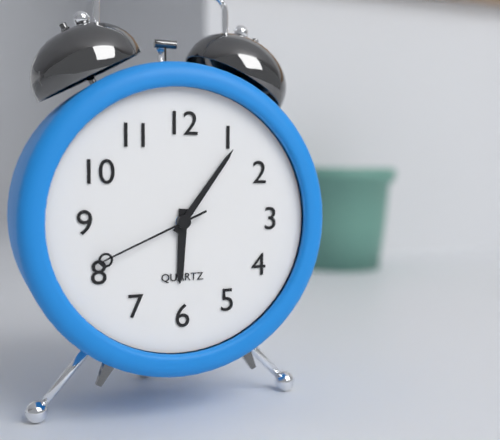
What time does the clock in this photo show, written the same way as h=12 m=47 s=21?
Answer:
h=6 m=6 s=41
